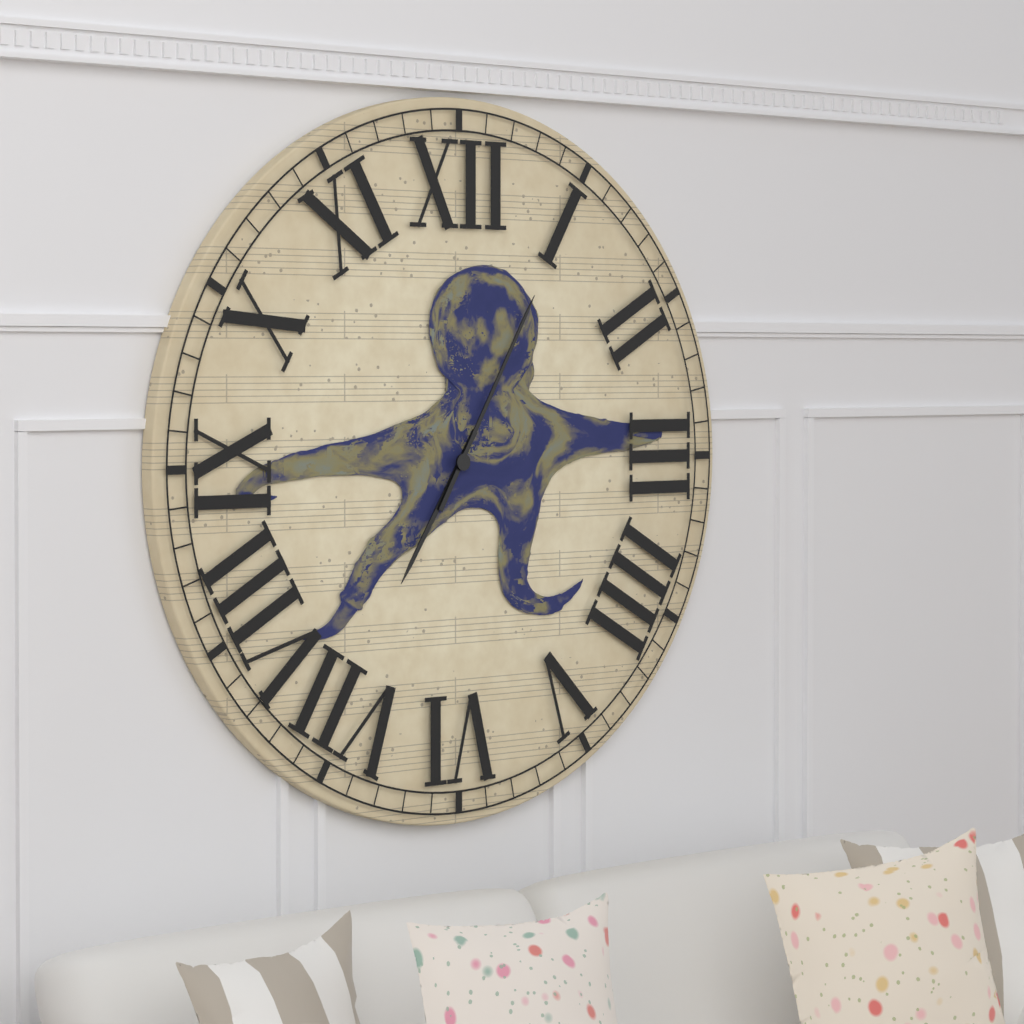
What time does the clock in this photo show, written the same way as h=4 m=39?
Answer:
h=7 m=5
